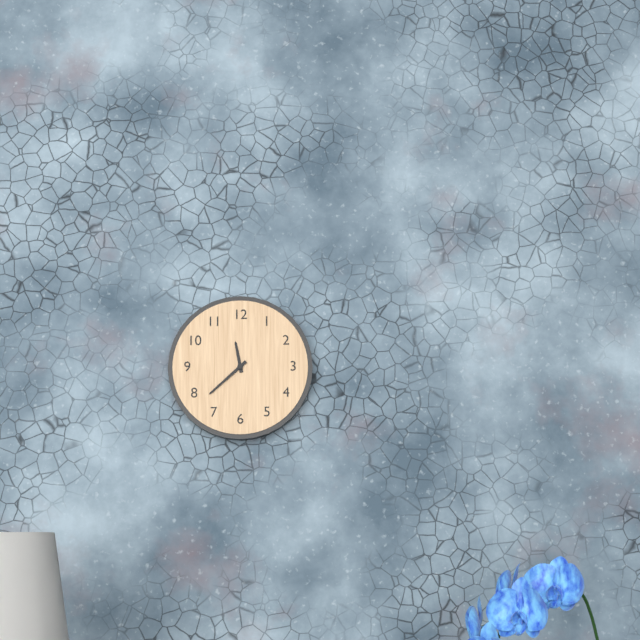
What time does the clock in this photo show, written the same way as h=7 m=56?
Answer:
h=11 m=38
